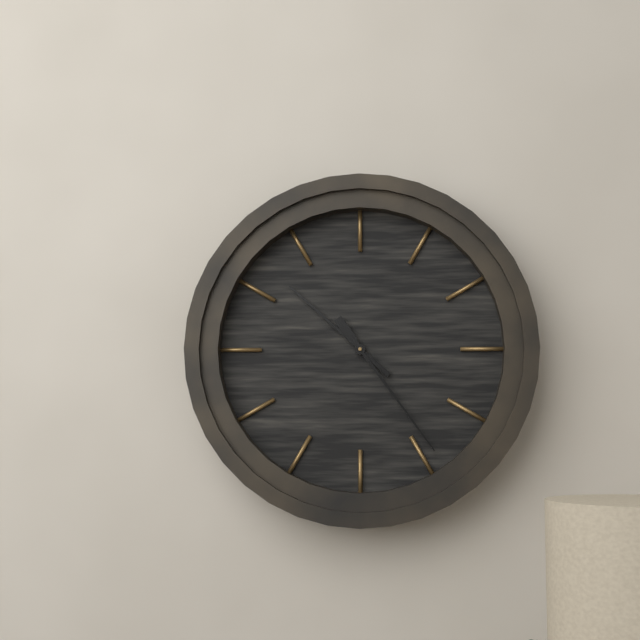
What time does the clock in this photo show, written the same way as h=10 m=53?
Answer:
h=10 m=24
